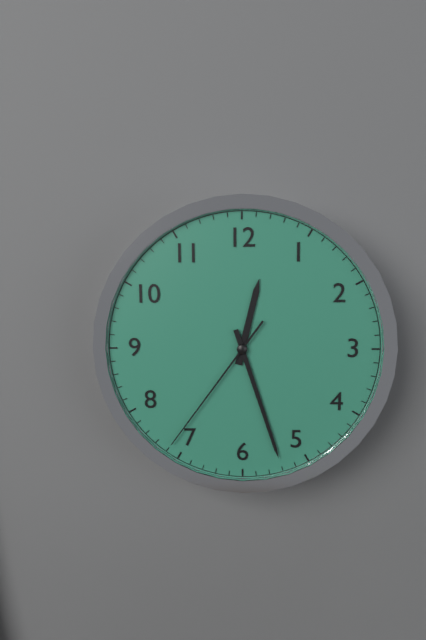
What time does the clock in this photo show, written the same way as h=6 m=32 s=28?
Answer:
h=12 m=27 s=36
